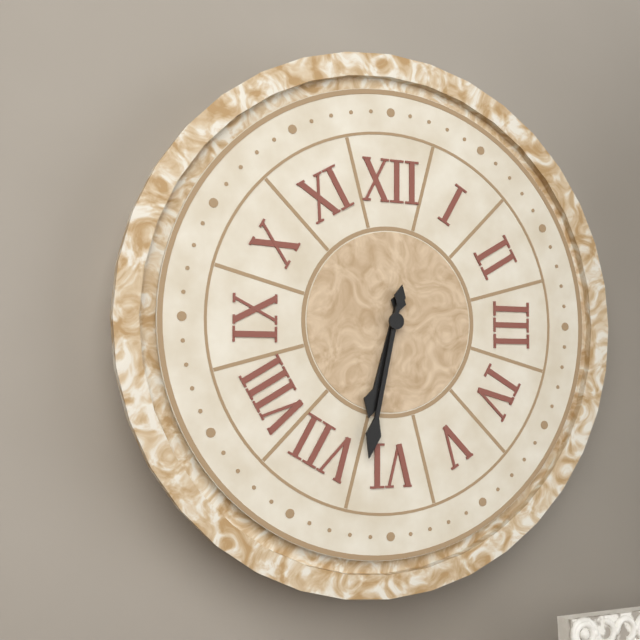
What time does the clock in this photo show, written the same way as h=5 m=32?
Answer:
h=6 m=32
